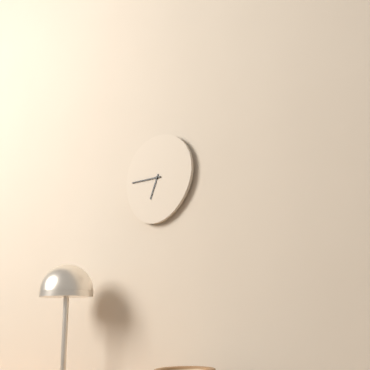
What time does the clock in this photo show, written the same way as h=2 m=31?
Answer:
h=6 m=45
